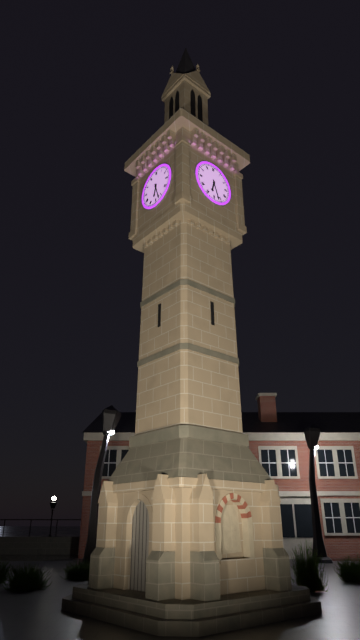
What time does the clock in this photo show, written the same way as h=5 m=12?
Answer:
h=6 m=27
